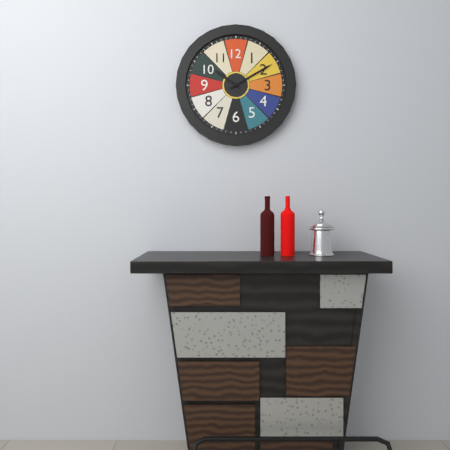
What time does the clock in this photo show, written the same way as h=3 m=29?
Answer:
h=10 m=10
